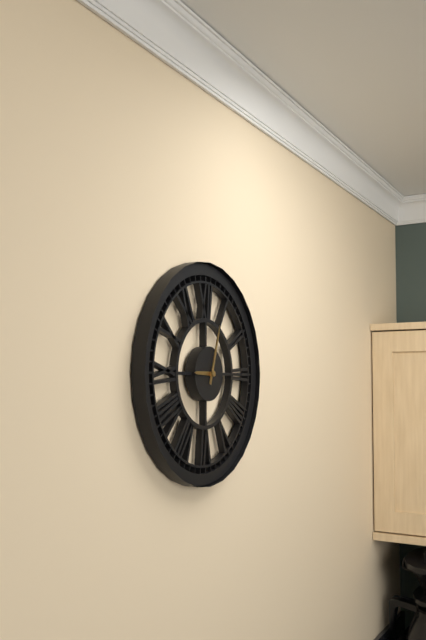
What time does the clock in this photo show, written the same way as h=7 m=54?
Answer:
h=9 m=3
